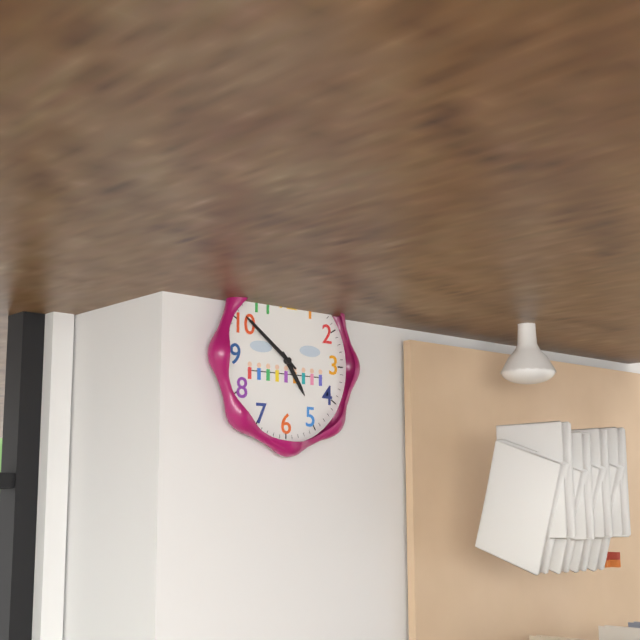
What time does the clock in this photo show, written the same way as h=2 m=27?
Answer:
h=4 m=51
